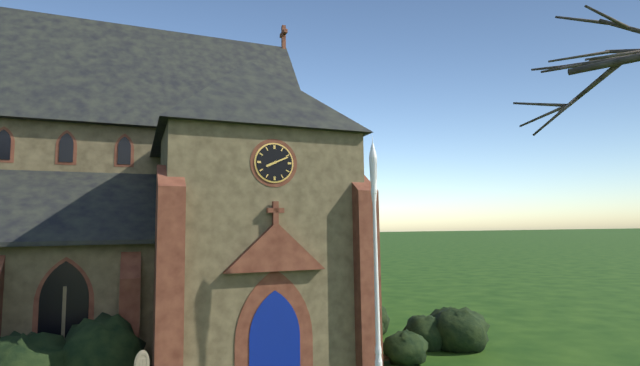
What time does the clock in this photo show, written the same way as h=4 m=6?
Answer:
h=8 m=11
